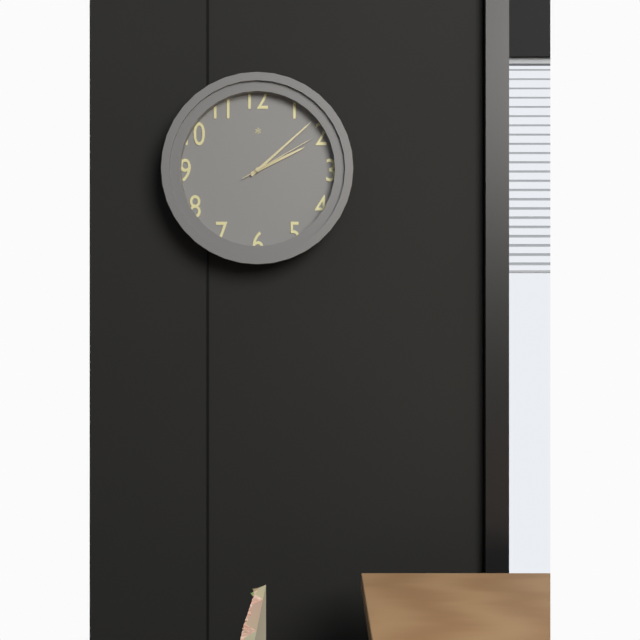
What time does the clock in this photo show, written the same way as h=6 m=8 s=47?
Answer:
h=2 m=8 s=10
